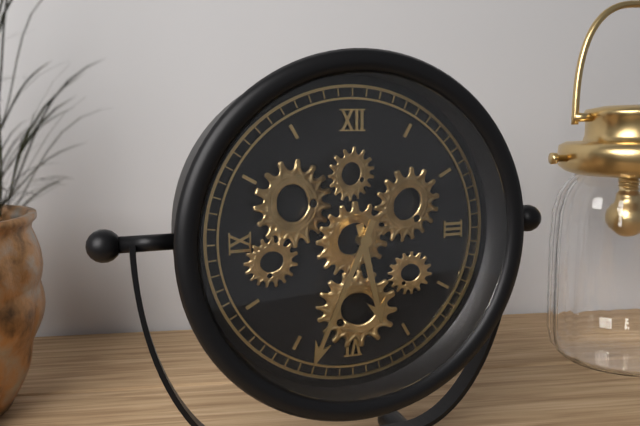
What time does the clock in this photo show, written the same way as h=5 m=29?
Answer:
h=5 m=34
